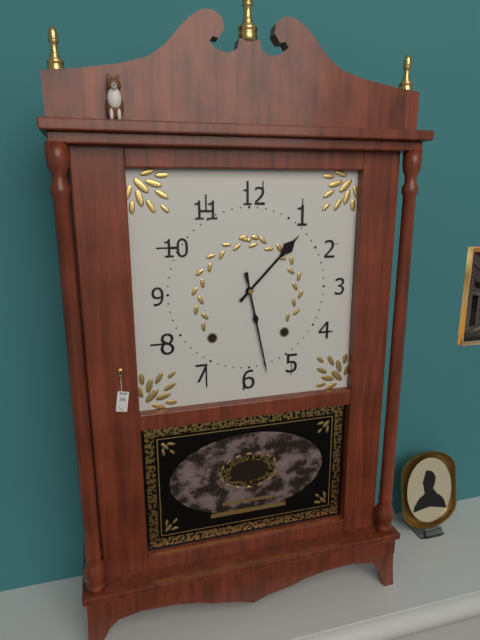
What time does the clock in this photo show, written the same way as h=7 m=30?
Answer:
h=1 m=28
